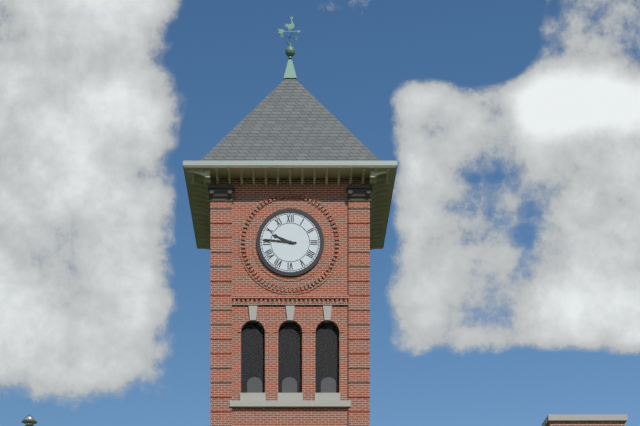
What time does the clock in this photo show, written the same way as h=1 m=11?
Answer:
h=9 m=46
